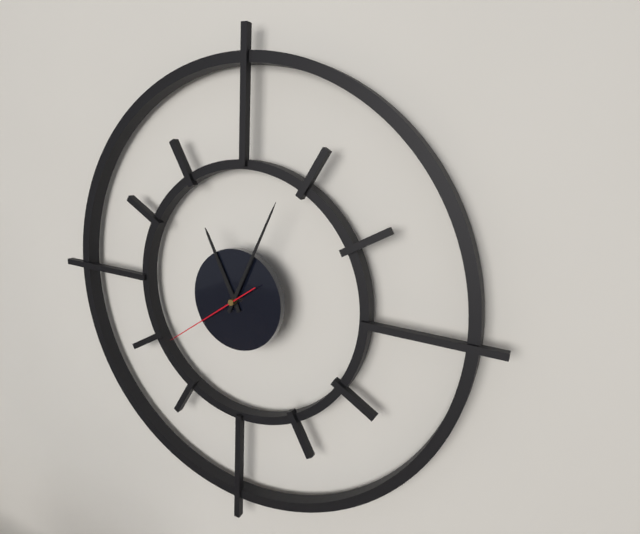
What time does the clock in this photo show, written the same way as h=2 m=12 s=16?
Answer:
h=11 m=4 s=39
